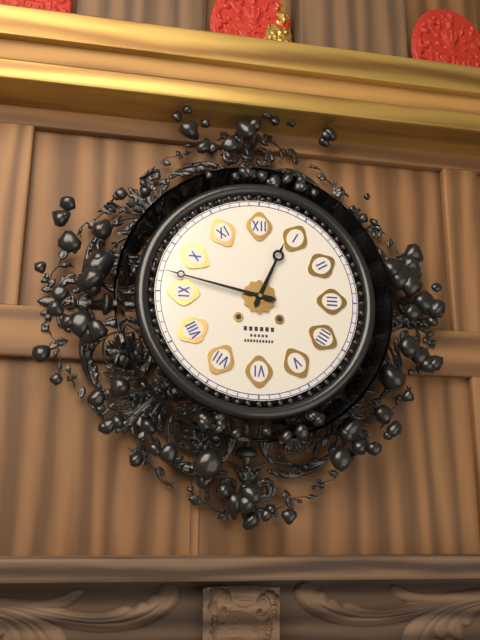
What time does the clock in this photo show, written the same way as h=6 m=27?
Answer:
h=12 m=47
